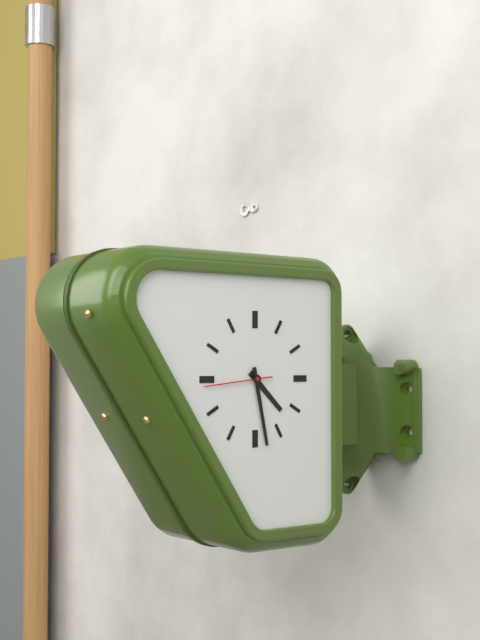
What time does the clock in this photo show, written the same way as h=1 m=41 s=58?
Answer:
h=4 m=28 s=44
